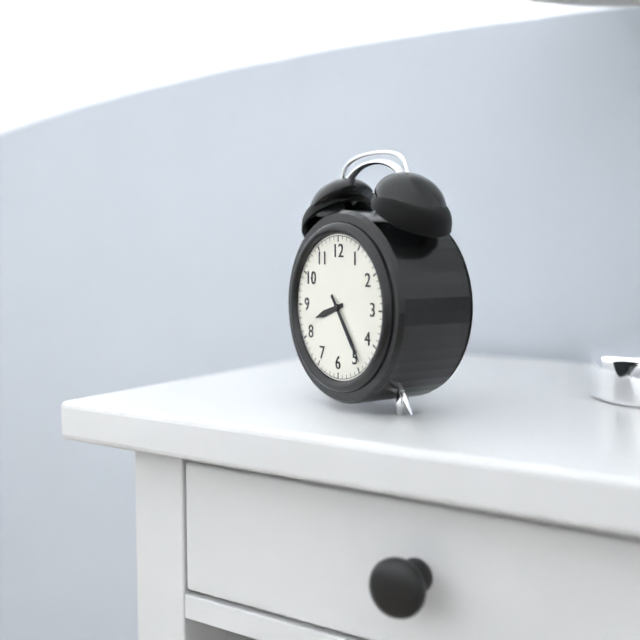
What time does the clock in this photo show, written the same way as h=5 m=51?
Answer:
h=8 m=24
